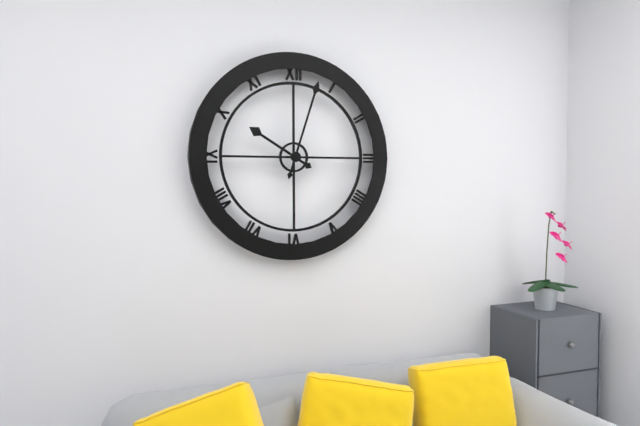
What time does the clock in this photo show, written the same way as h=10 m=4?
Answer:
h=10 m=3
